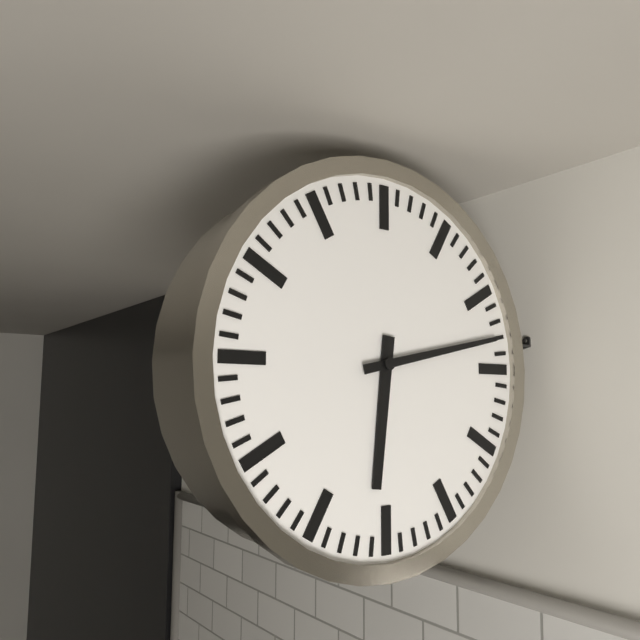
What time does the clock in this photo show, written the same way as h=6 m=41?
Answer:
h=6 m=13
